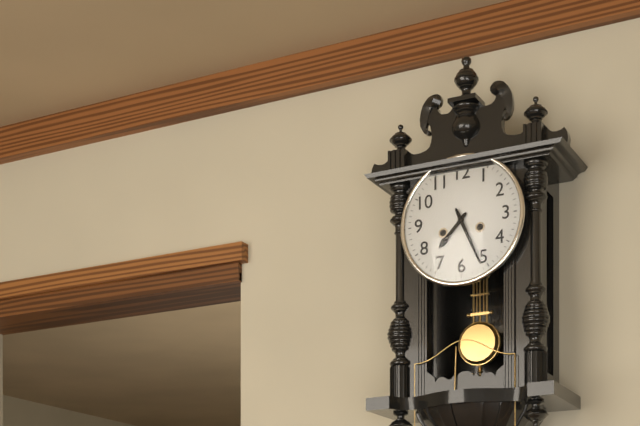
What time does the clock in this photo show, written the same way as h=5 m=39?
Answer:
h=7 m=26
